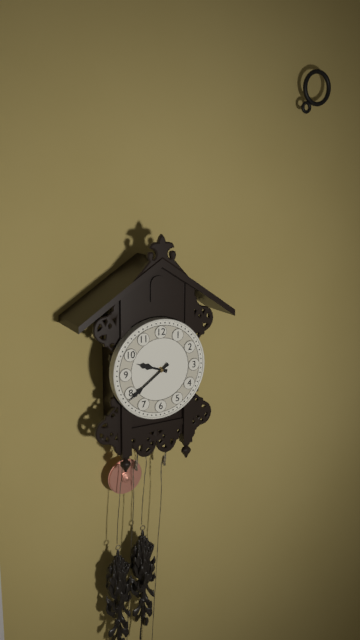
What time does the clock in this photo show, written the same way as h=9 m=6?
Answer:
h=9 m=39
